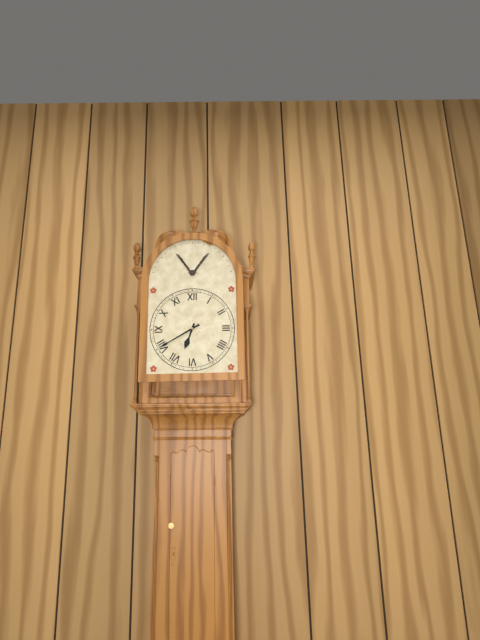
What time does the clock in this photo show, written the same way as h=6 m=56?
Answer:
h=6 m=40
